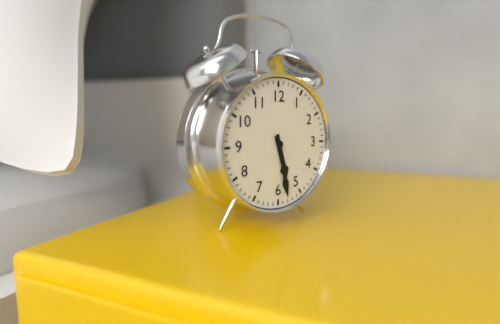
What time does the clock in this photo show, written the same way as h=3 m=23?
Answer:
h=5 m=28
